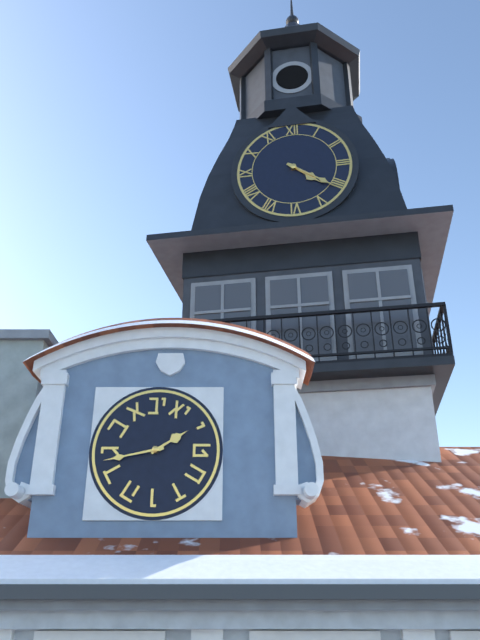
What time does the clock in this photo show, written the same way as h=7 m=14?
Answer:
h=4 m=21
